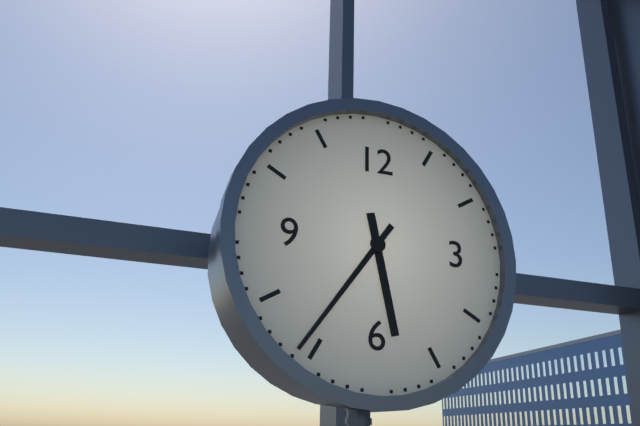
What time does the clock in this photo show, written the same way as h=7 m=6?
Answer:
h=5 m=36
